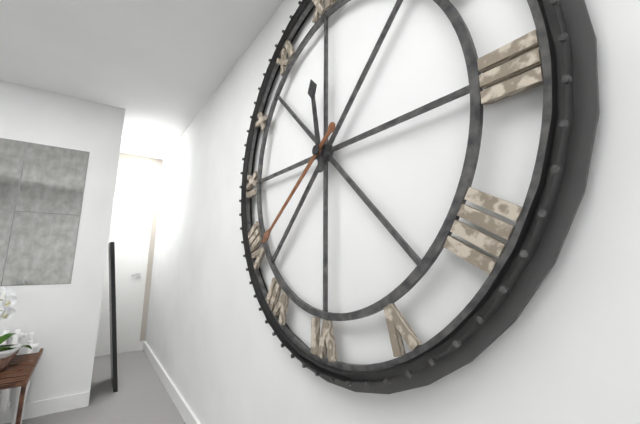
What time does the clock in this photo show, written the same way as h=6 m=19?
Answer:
h=11 m=39
